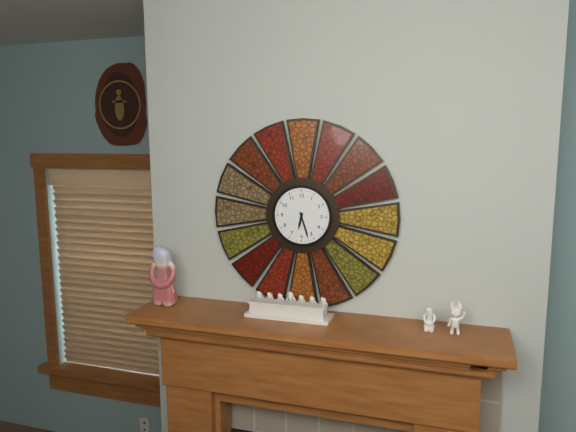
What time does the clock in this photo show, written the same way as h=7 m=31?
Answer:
h=6 m=27
